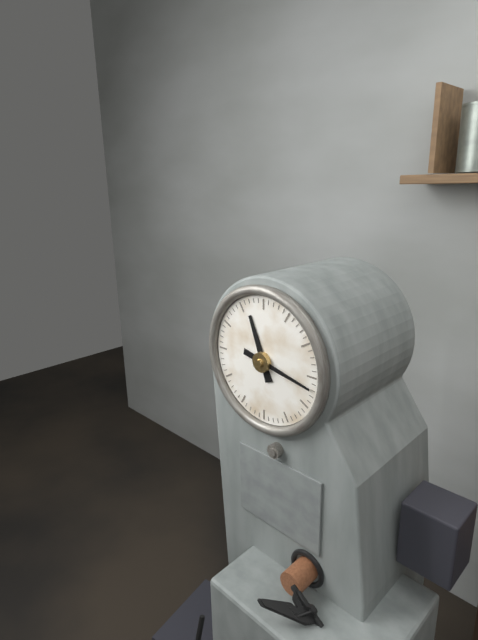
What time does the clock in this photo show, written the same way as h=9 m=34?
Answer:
h=11 m=17
